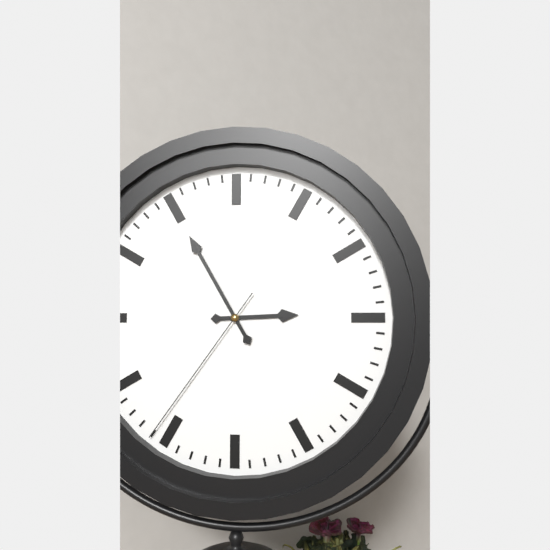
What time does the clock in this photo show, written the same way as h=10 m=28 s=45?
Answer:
h=2 m=55 s=36
